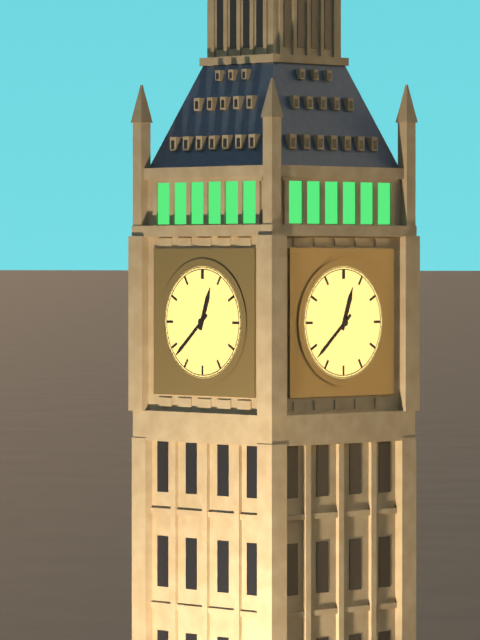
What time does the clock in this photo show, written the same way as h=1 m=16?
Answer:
h=12 m=38
